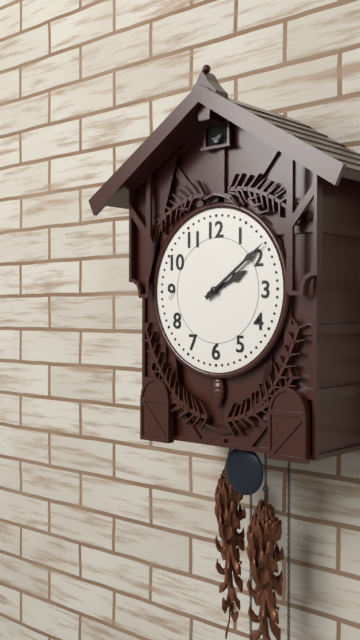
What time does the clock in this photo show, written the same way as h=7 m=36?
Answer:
h=2 m=9
